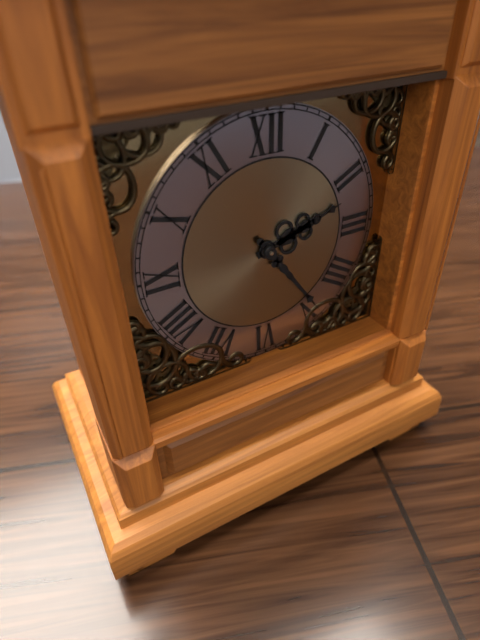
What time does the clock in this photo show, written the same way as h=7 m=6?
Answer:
h=2 m=24
